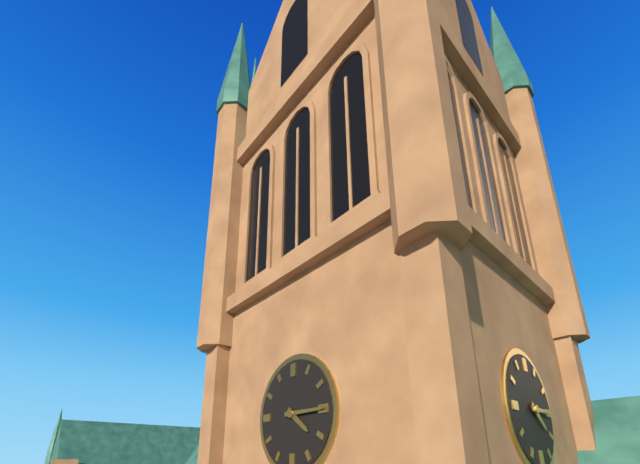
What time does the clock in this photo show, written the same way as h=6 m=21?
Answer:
h=4 m=15
